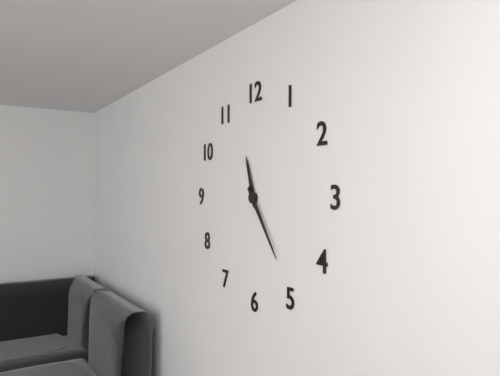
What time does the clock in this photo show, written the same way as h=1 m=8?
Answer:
h=11 m=24
